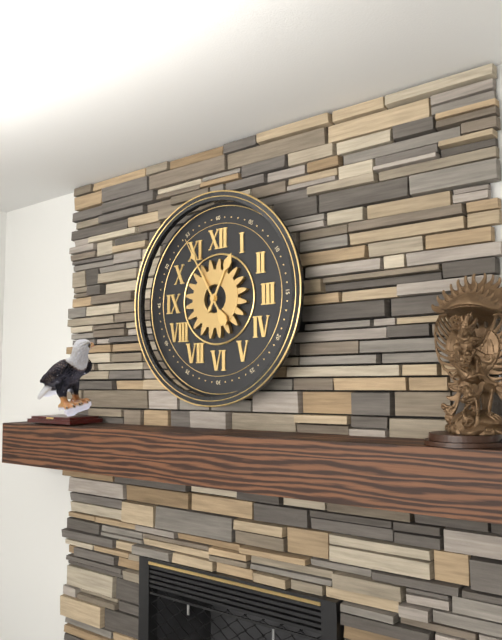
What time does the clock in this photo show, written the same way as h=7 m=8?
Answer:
h=12 m=55
